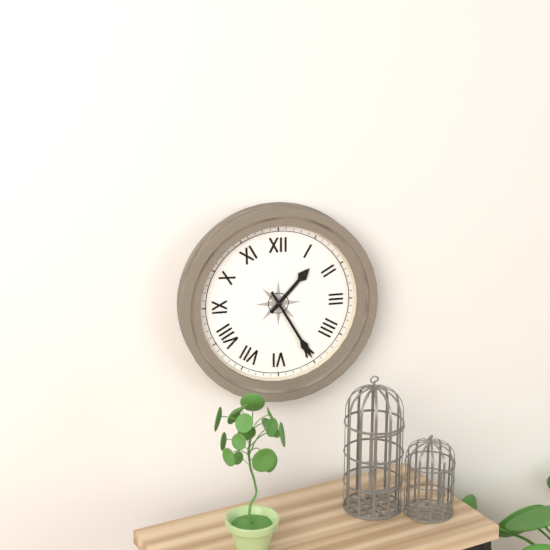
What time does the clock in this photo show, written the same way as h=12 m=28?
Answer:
h=1 m=25
